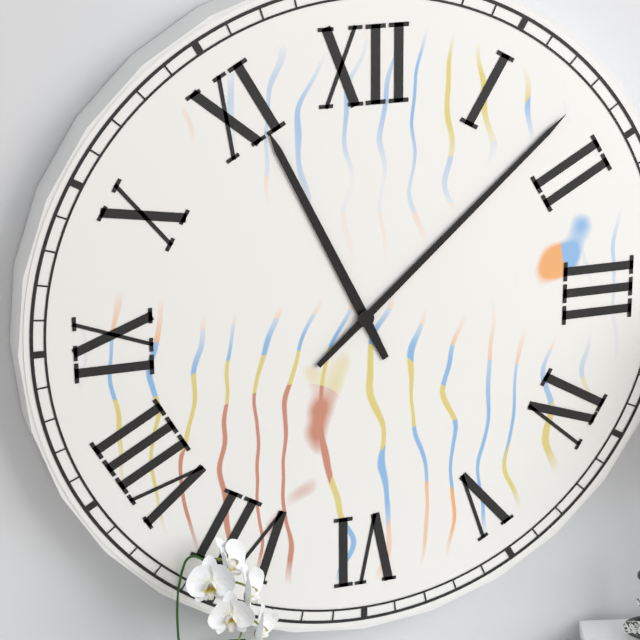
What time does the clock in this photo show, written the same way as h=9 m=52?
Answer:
h=11 m=8
